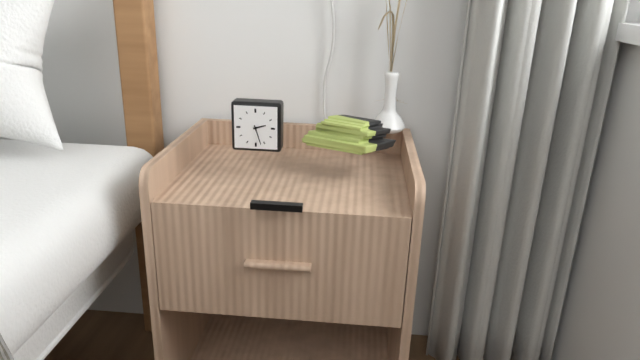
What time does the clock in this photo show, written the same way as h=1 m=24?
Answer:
h=2 m=27
